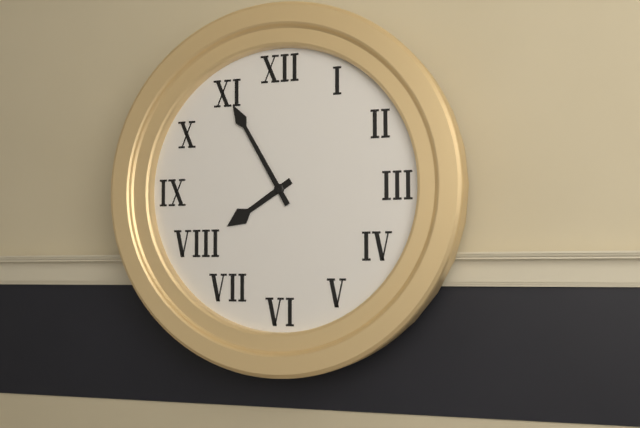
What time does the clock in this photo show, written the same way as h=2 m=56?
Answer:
h=7 m=55
